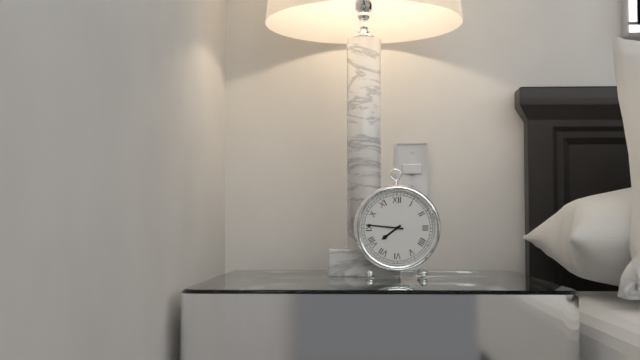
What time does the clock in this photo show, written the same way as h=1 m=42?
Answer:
h=7 m=46
